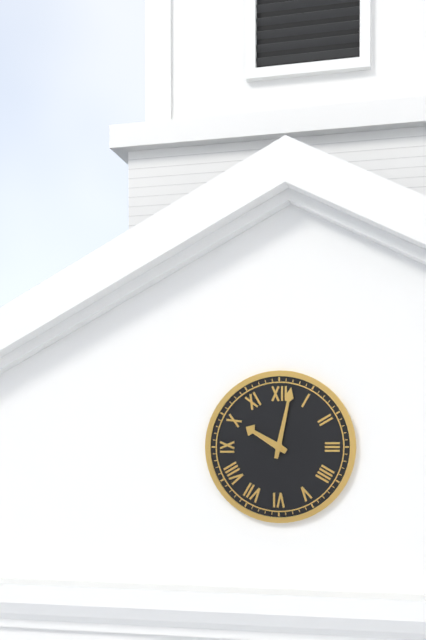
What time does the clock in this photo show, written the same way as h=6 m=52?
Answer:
h=10 m=2
